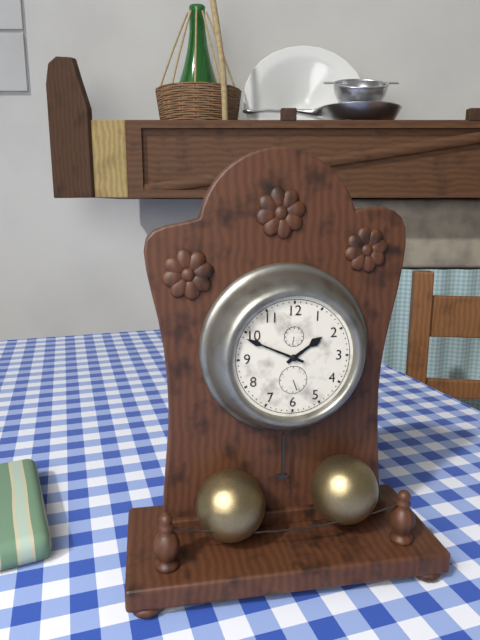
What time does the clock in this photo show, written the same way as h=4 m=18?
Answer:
h=1 m=49
